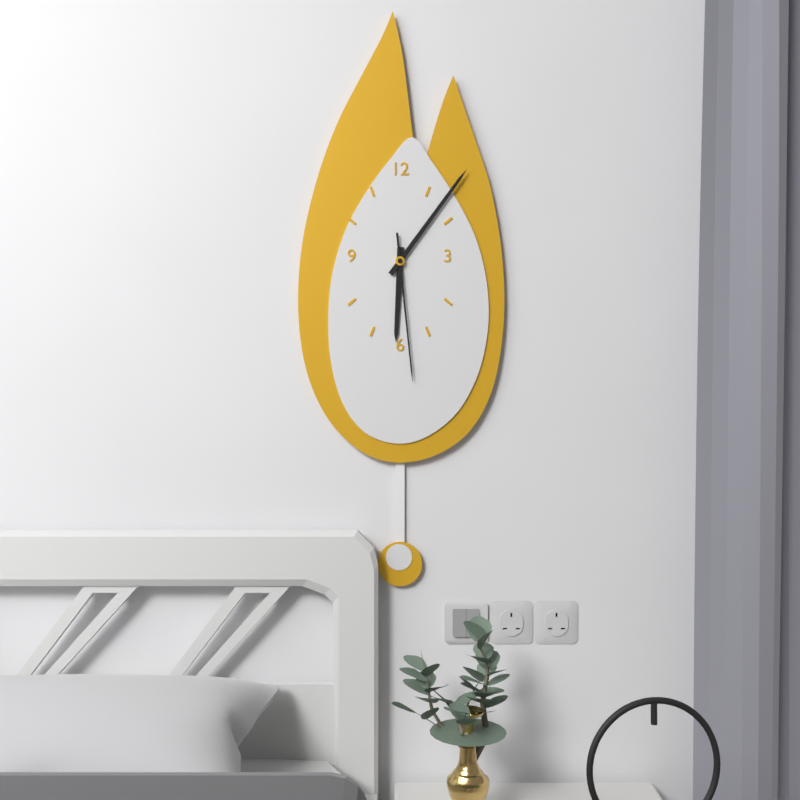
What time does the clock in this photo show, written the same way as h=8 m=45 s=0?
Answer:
h=6 m=6 s=29
